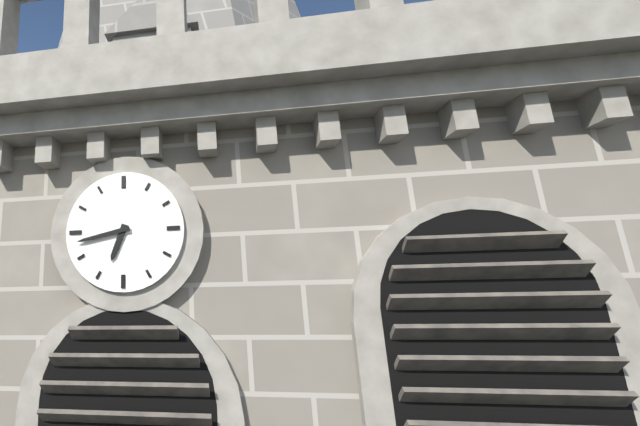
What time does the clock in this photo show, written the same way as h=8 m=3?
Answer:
h=6 m=43
